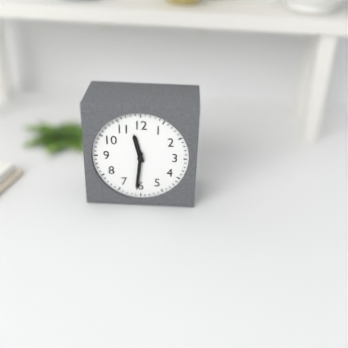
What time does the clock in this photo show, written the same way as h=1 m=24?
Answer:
h=11 m=31
